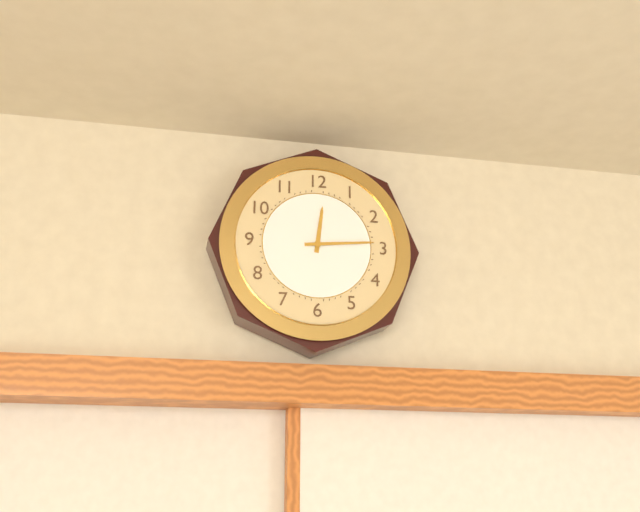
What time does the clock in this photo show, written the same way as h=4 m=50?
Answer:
h=12 m=14
